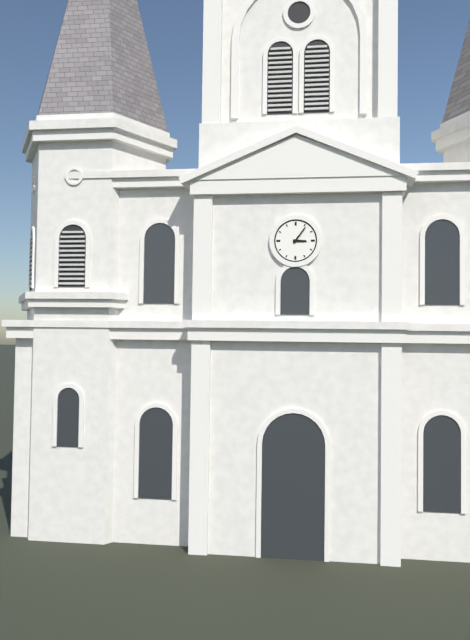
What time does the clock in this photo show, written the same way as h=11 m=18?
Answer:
h=3 m=6
